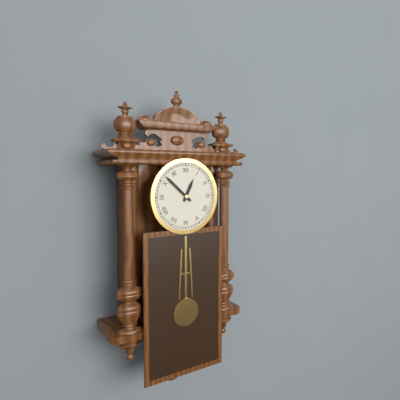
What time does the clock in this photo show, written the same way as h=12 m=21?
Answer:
h=12 m=52
